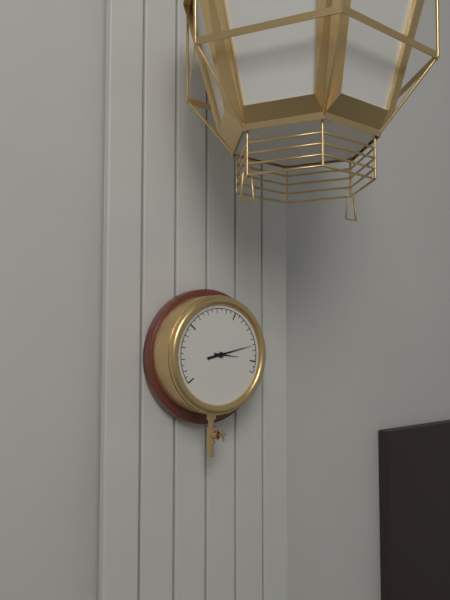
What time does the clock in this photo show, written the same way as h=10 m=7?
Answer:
h=3 m=13
